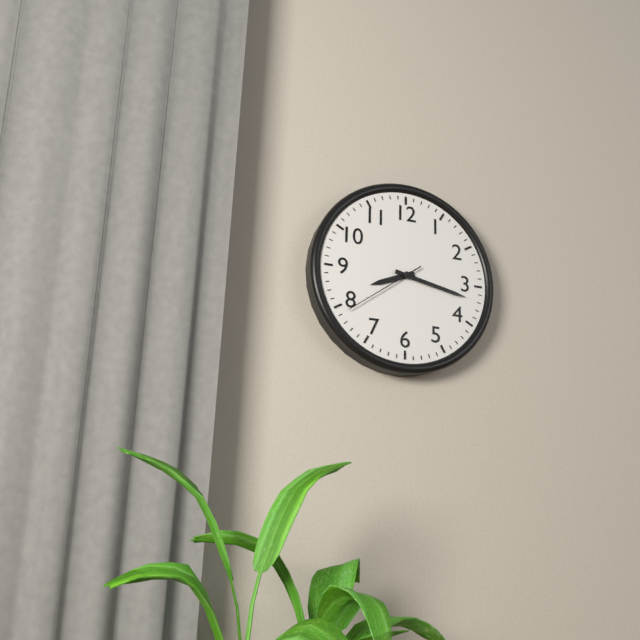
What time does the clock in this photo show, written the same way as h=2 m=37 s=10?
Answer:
h=8 m=17 s=39
